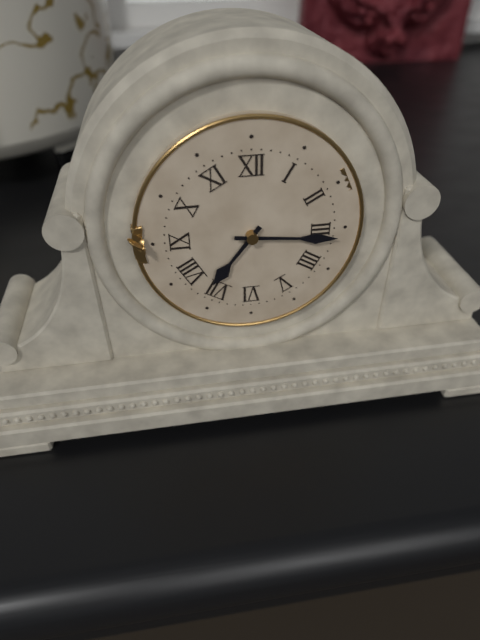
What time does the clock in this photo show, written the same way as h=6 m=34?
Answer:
h=7 m=16
